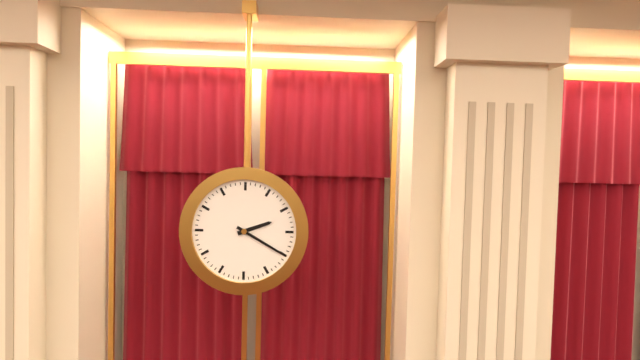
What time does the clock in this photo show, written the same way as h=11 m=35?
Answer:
h=2 m=20
